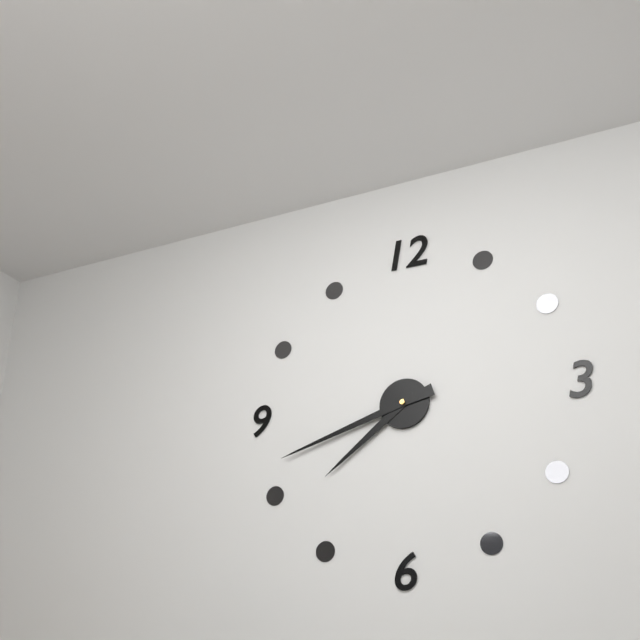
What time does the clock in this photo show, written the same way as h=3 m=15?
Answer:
h=7 m=42
